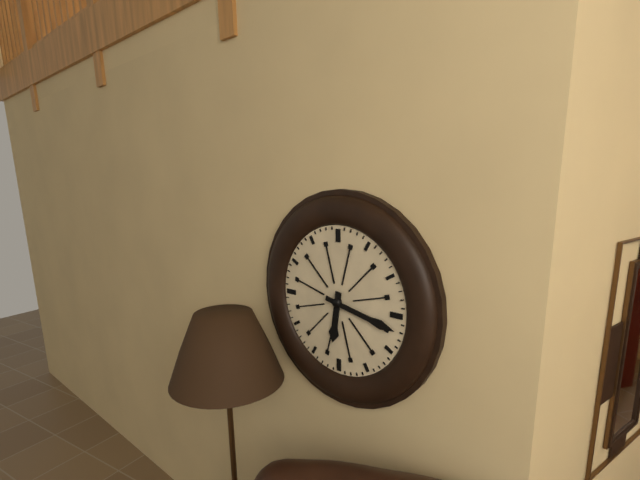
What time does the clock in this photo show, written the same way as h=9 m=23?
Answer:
h=6 m=17
